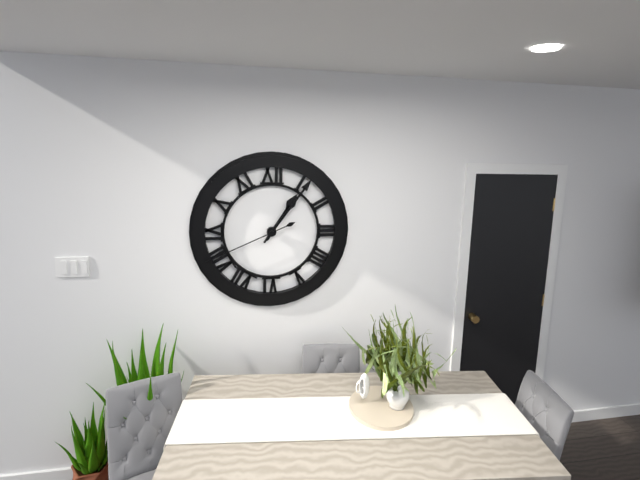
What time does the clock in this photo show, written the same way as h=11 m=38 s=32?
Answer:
h=1 m=6 s=41
